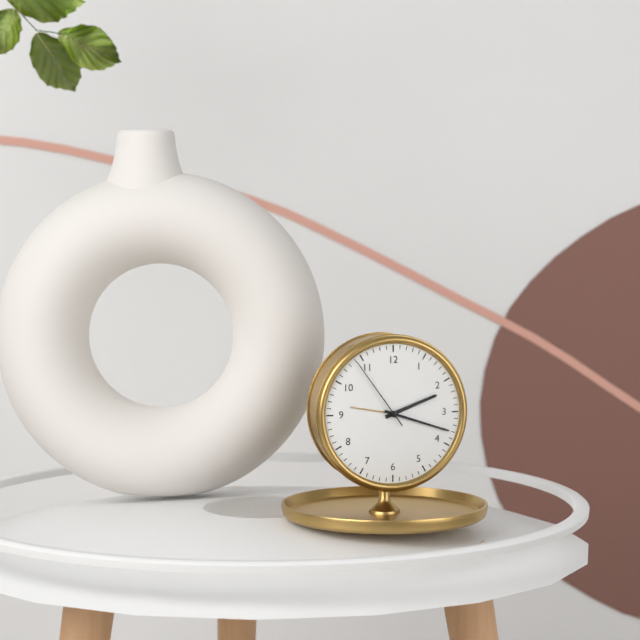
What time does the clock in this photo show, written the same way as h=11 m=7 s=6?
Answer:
h=2 m=18 s=54
